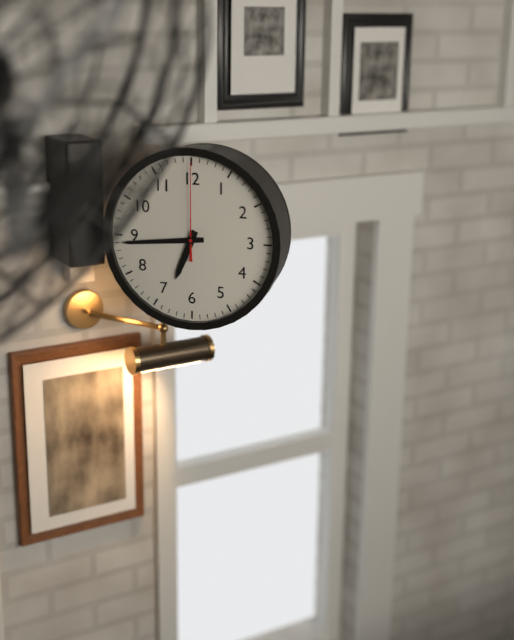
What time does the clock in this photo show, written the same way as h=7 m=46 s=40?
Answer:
h=6 m=44 s=0
